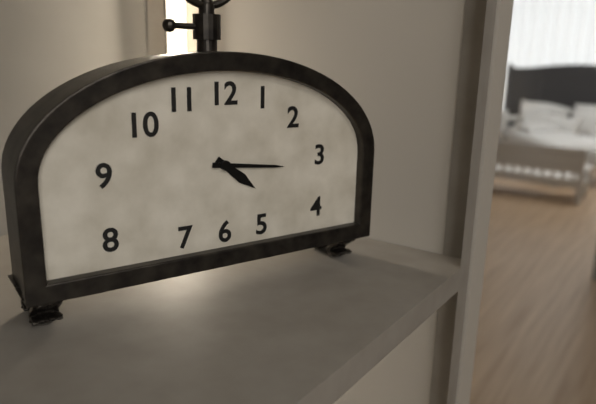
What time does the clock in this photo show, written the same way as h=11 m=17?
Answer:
h=4 m=16
